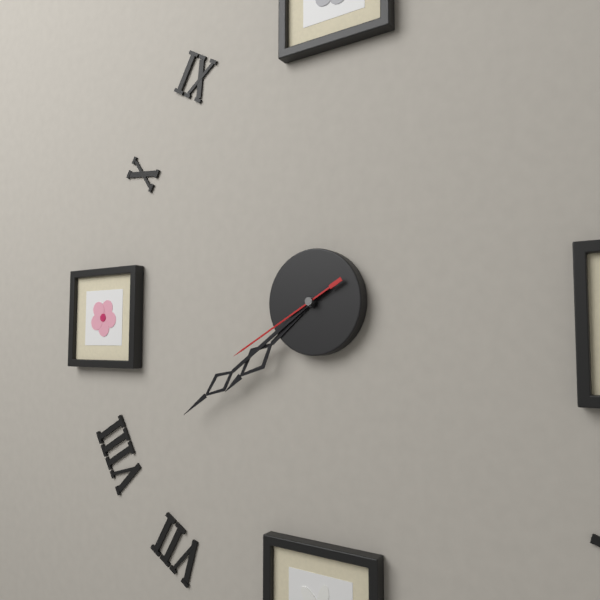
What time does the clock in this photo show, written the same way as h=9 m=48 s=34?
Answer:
h=7 m=39 s=40
